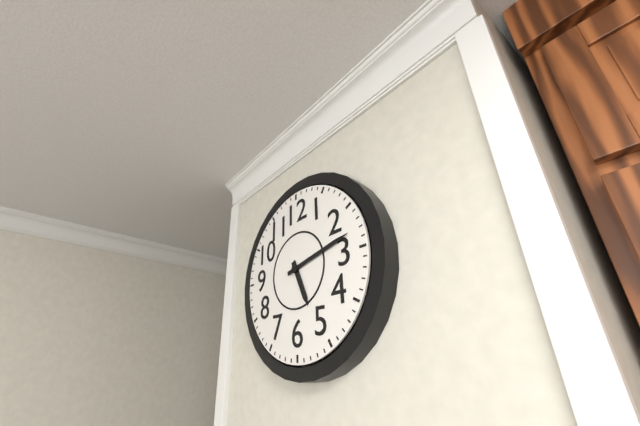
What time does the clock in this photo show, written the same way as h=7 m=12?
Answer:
h=5 m=13
